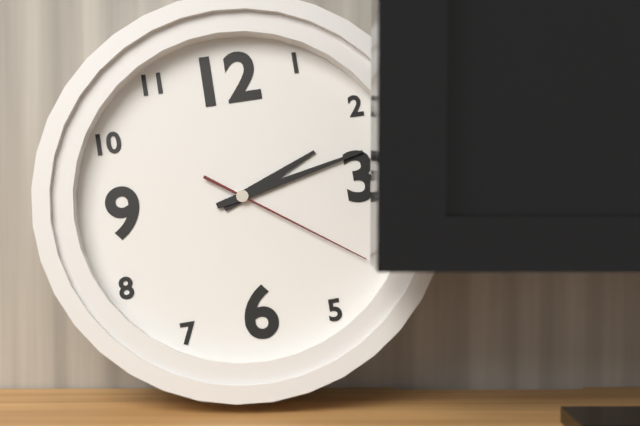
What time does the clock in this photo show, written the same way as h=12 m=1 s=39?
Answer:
h=2 m=13 s=21
